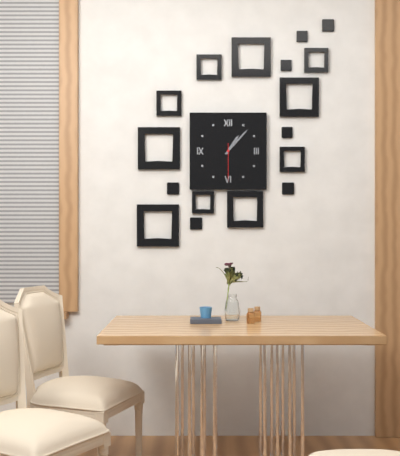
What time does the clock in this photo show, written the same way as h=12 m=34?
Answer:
h=1 m=7
